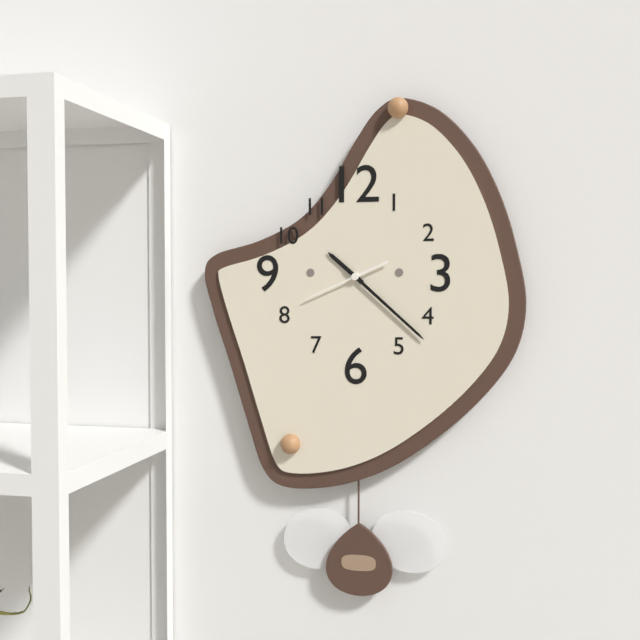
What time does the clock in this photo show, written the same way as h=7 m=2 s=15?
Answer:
h=10 m=22 s=41
